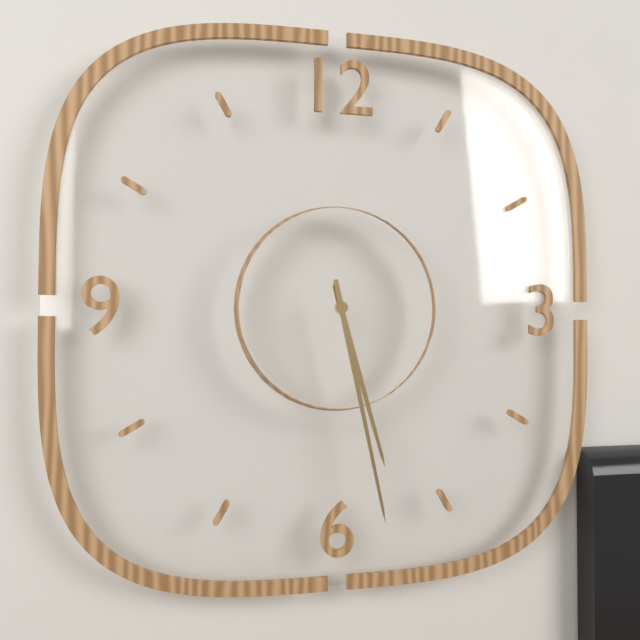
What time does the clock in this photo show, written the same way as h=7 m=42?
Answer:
h=5 m=28
